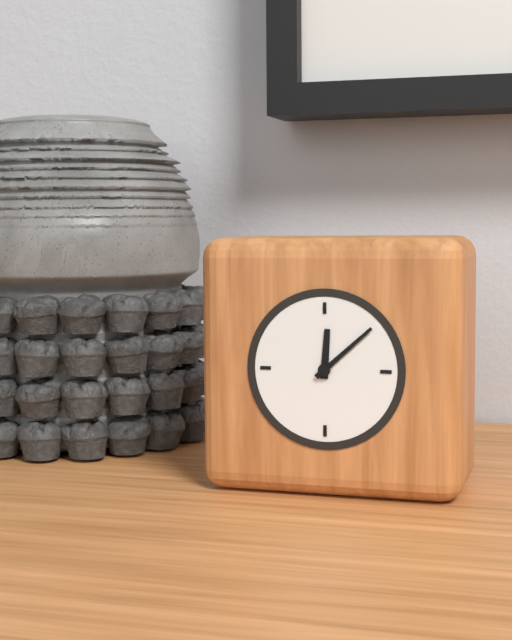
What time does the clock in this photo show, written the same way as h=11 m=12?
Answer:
h=12 m=8
